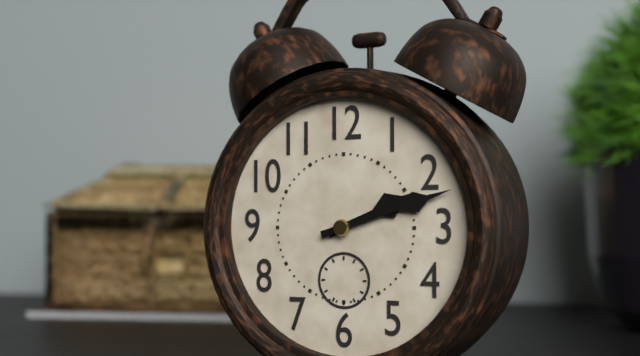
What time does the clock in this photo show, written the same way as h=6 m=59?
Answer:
h=2 m=12
